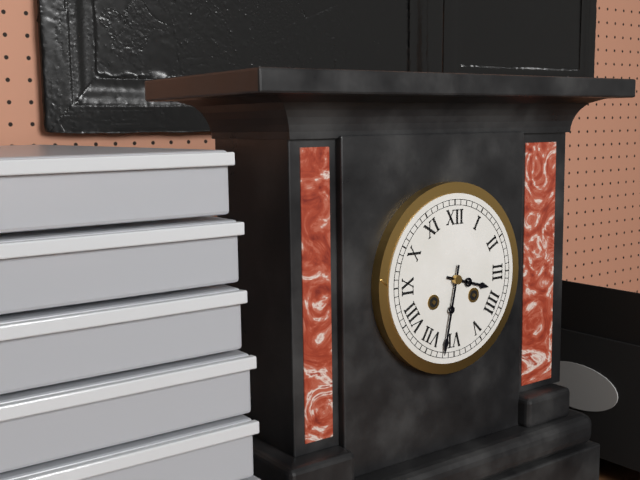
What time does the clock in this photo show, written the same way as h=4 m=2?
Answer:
h=3 m=32
